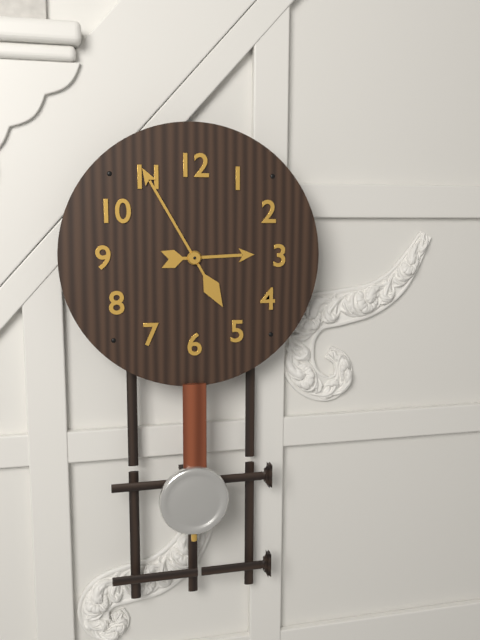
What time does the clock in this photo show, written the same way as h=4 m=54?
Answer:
h=2 m=55
